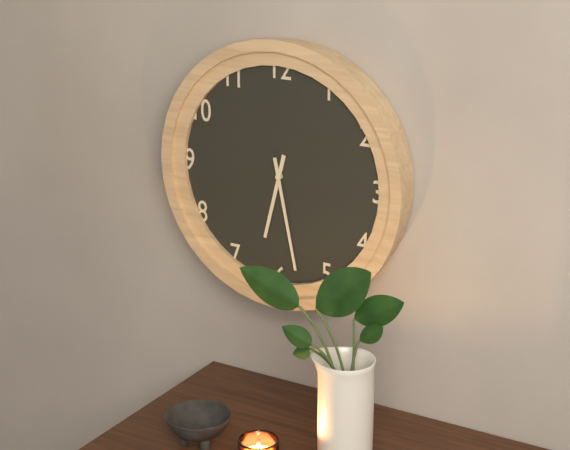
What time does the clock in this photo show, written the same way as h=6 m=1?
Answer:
h=6 m=28
